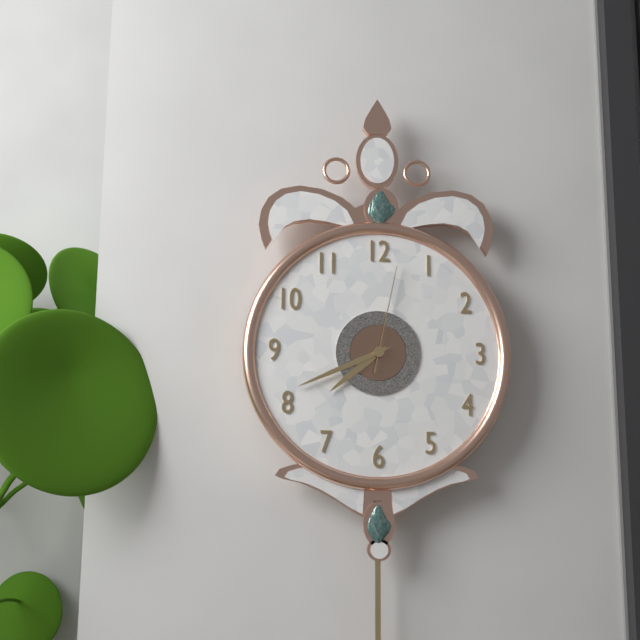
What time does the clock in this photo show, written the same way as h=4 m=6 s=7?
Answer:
h=7 m=41 s=2
